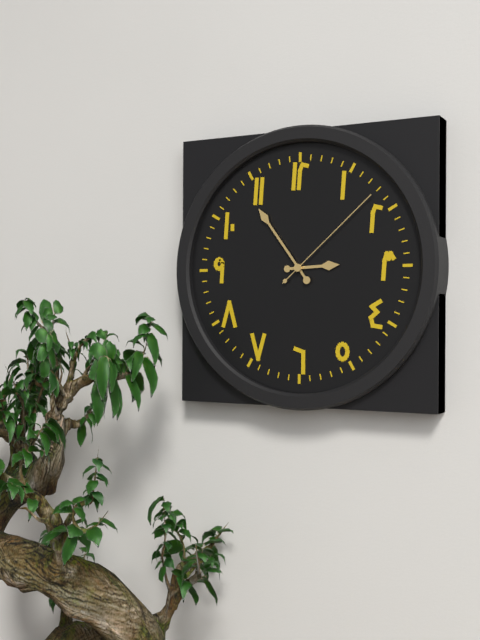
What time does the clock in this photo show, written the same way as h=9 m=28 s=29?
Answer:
h=2 m=54 s=8
